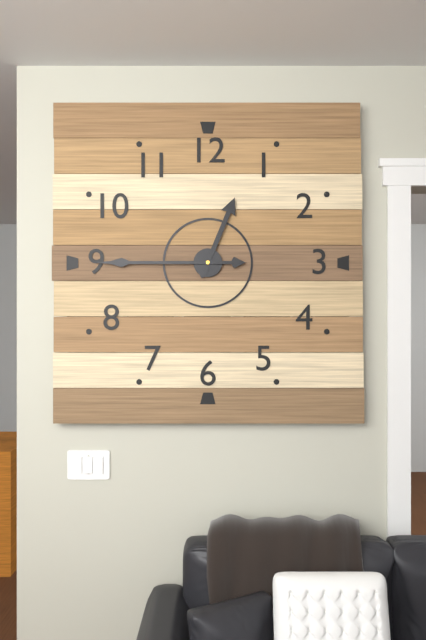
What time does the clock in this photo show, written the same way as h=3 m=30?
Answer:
h=12 m=45
